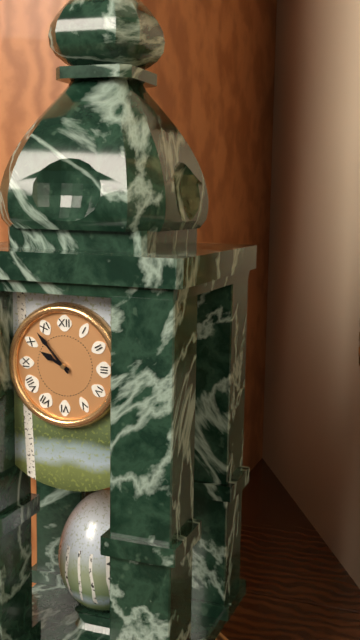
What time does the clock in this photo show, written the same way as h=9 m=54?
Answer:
h=9 m=53
